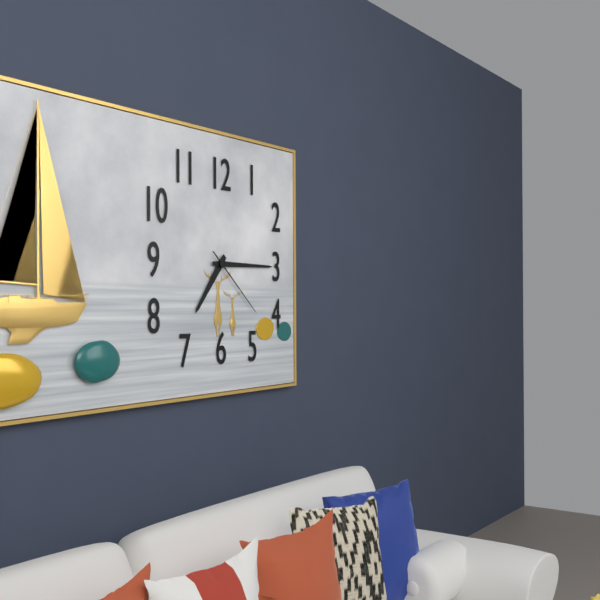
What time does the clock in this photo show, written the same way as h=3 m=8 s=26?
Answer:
h=7 m=15 s=22
